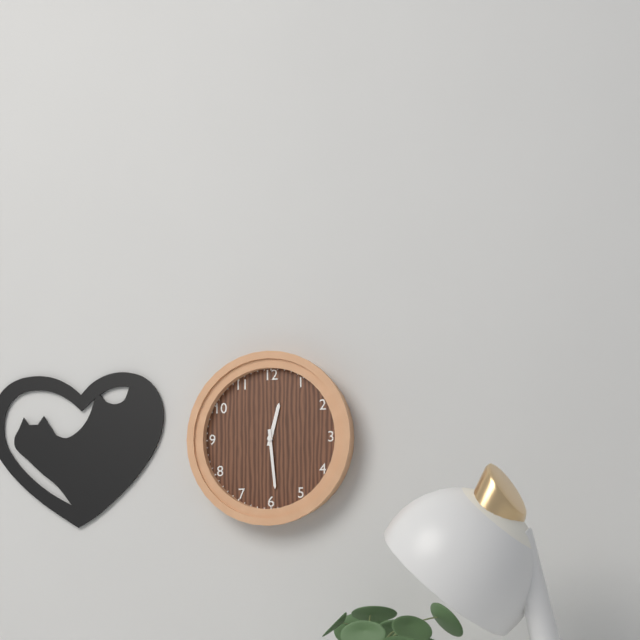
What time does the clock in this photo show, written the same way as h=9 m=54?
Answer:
h=12 m=29
